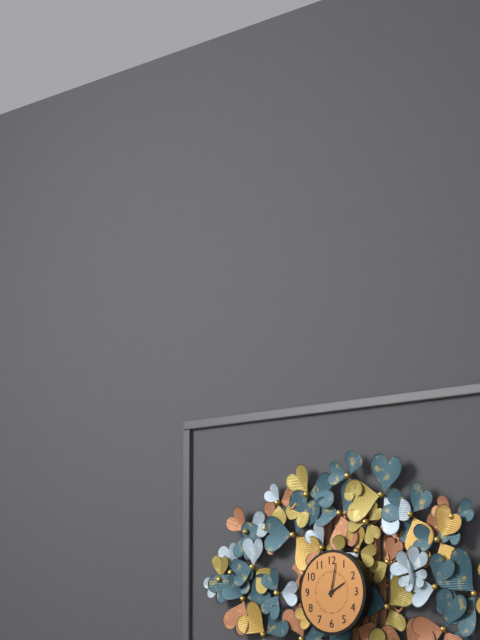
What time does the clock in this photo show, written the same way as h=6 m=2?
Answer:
h=2 m=2
